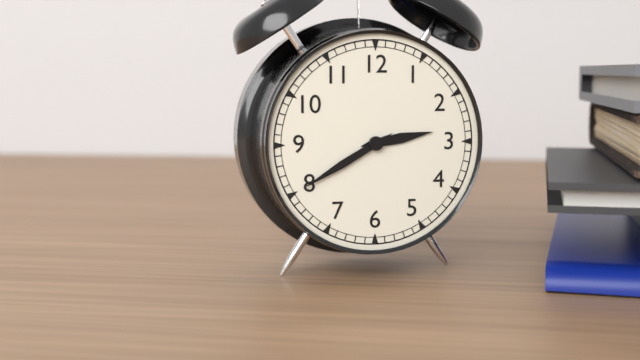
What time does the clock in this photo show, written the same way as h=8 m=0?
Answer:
h=2 m=40
